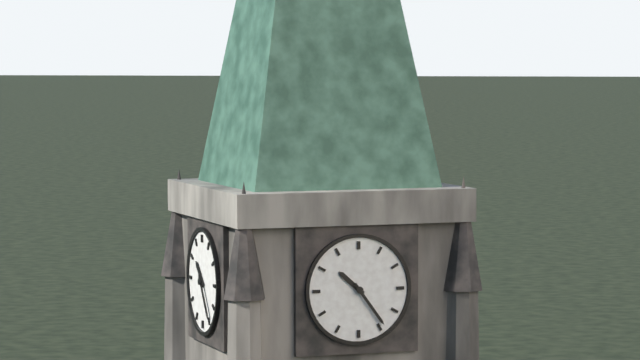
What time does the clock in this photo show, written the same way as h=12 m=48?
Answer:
h=10 m=24
